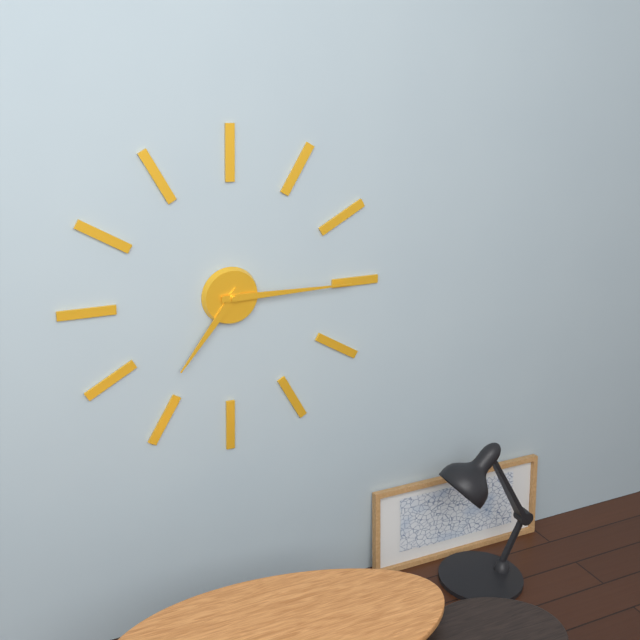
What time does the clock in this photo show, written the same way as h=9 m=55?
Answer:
h=7 m=15
